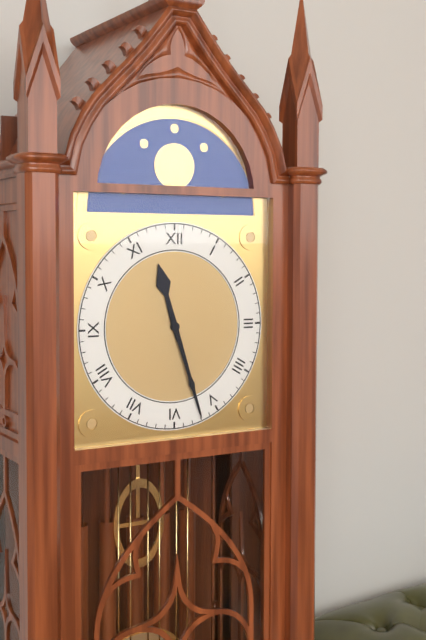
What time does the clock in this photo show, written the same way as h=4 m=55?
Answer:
h=11 m=27
